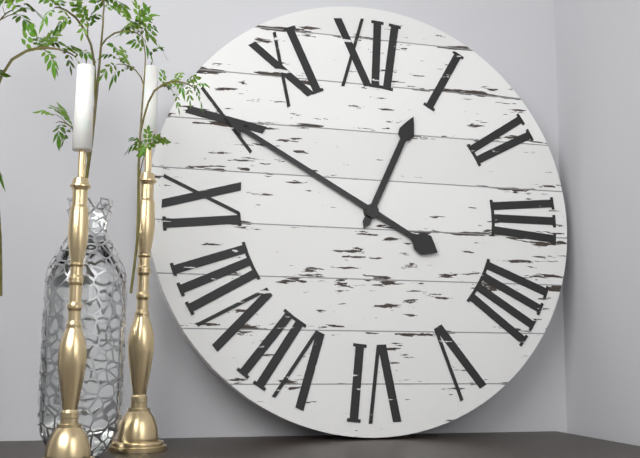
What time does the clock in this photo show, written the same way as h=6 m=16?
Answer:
h=12 m=50
